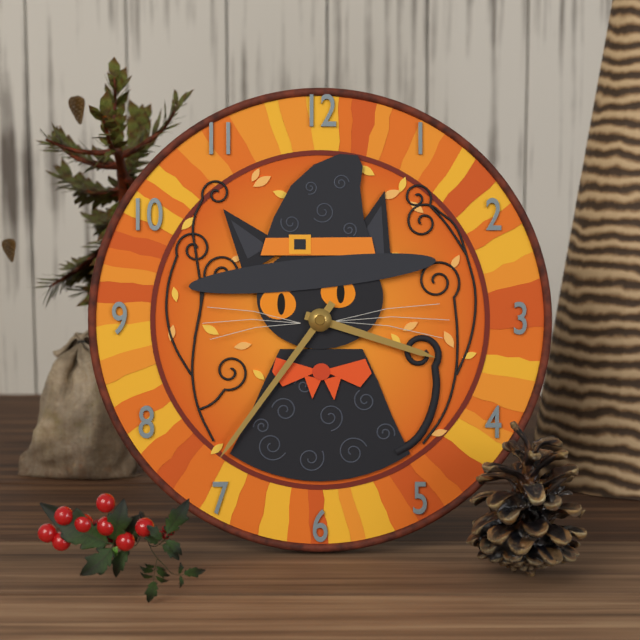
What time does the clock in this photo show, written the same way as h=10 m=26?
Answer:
h=3 m=36
